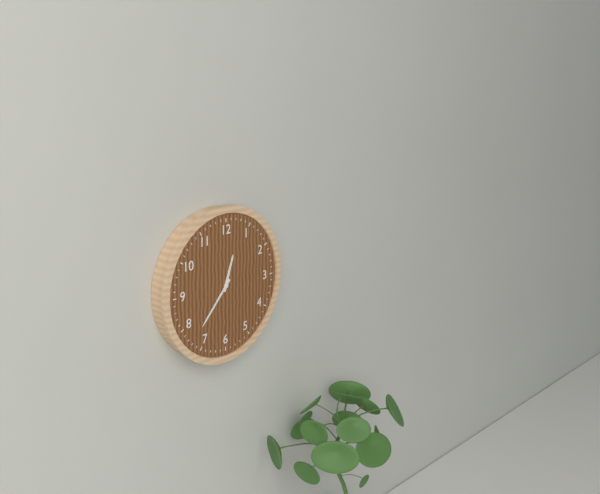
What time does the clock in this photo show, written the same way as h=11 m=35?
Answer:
h=12 m=37
